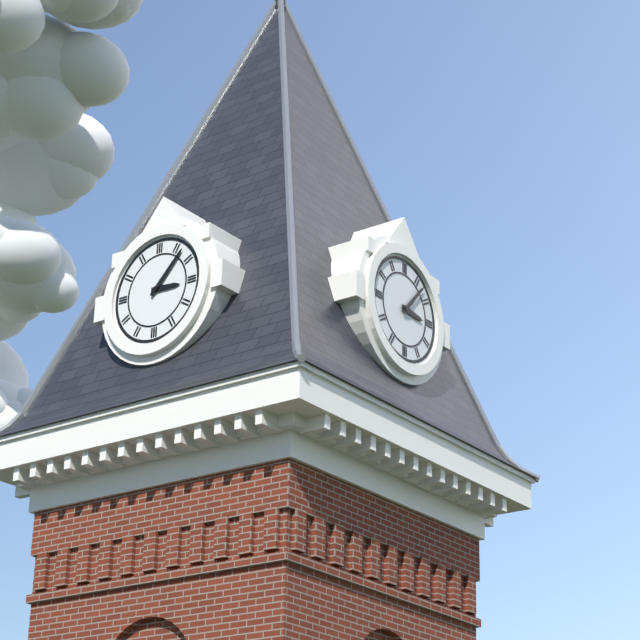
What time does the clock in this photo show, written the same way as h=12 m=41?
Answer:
h=3 m=7
